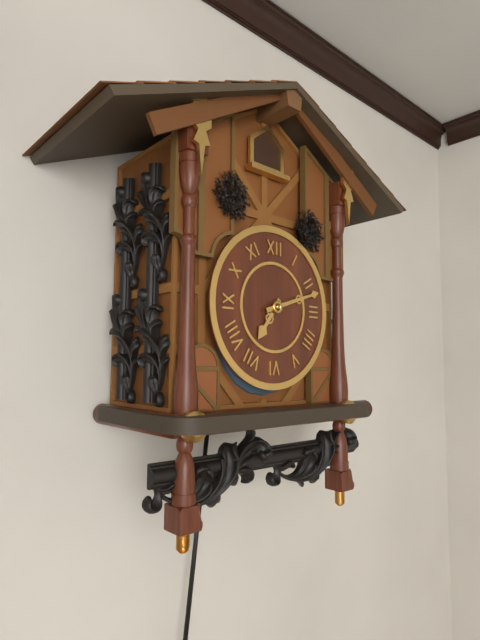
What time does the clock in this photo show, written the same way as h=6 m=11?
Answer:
h=7 m=12
